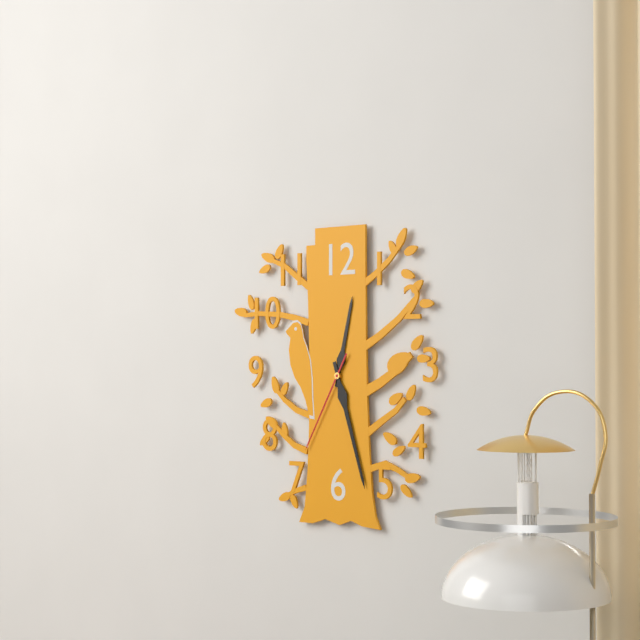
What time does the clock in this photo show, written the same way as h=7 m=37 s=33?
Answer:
h=12 m=27 s=35
